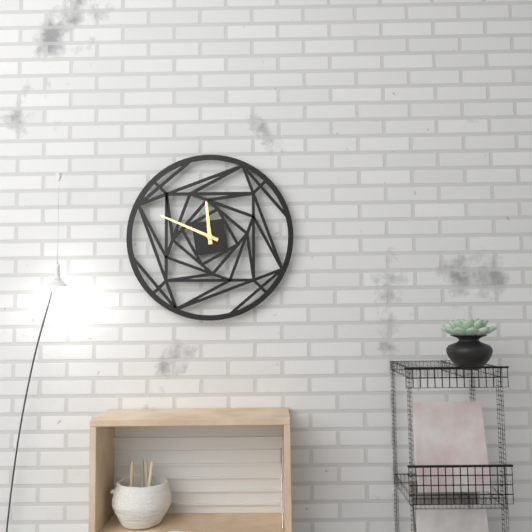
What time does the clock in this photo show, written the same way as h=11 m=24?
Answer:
h=11 m=49
